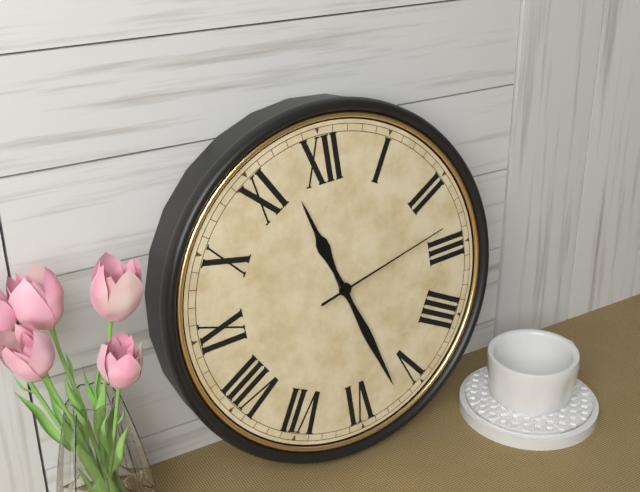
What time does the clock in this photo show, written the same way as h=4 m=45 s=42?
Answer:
h=11 m=27 s=13
